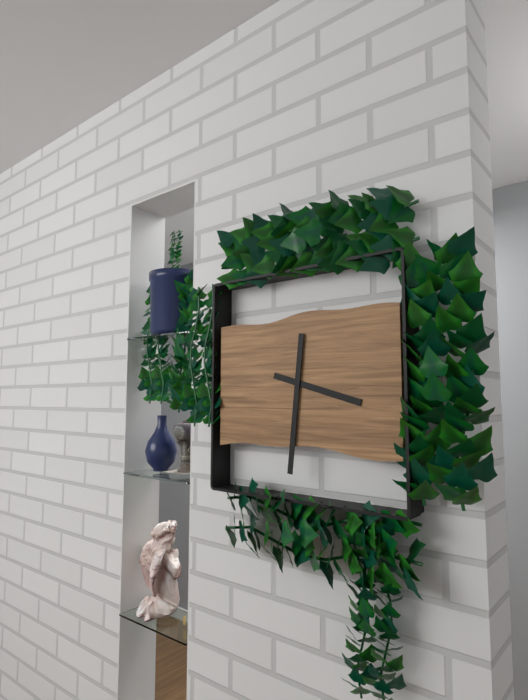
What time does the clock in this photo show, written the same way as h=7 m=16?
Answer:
h=3 m=31
